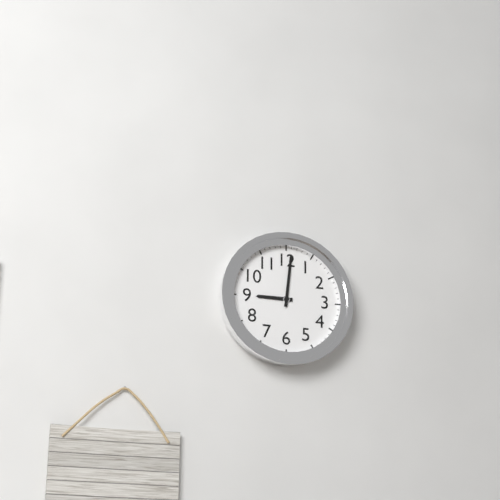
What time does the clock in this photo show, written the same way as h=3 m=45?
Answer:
h=9 m=1
